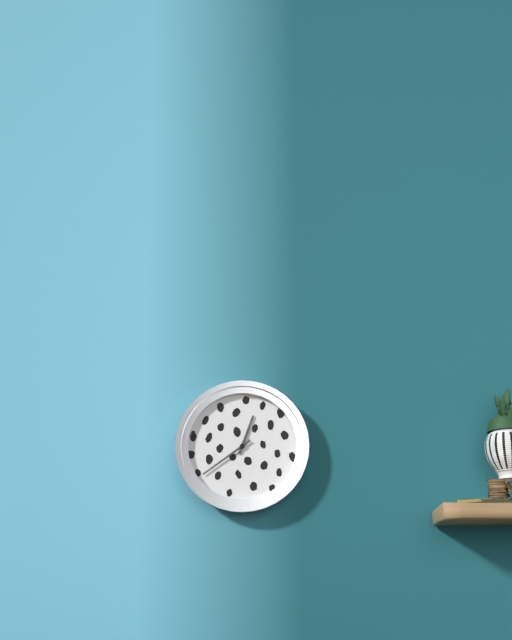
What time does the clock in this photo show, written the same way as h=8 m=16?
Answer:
h=12 m=39
